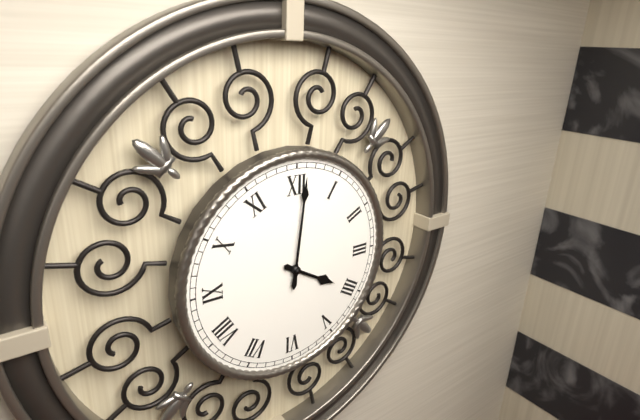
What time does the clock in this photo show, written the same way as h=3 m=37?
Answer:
h=4 m=1
